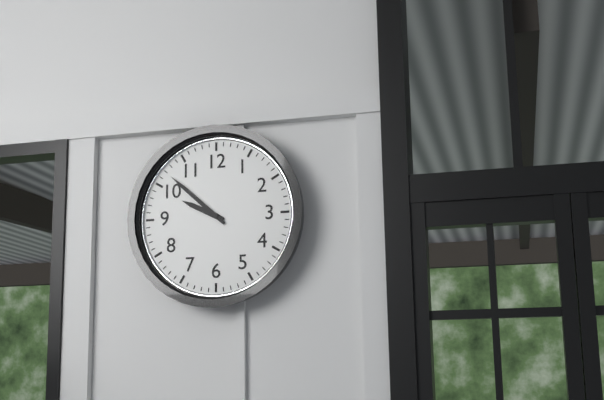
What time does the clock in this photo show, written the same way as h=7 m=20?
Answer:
h=9 m=52
